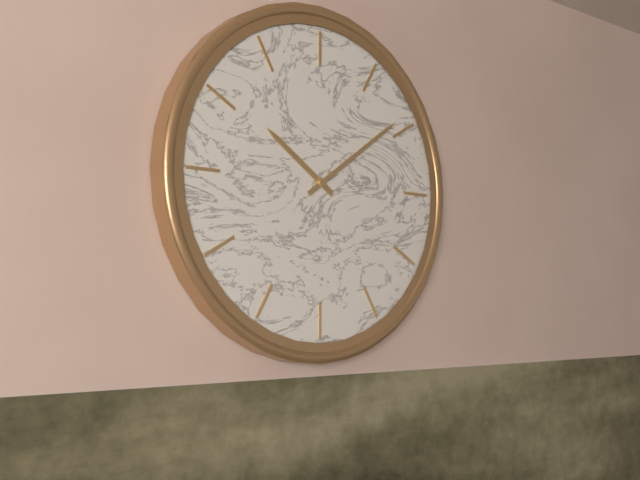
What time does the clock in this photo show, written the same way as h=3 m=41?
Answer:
h=10 m=9
